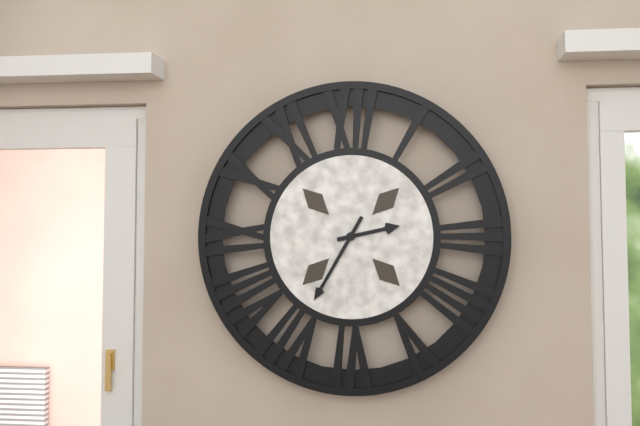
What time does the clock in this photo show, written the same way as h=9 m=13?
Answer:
h=2 m=35
